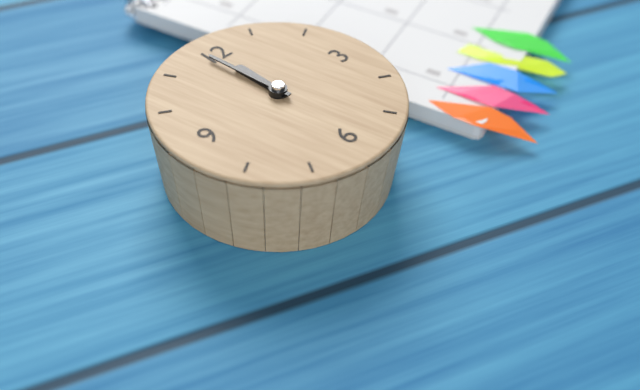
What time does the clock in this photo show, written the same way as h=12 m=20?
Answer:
h=11 m=59
